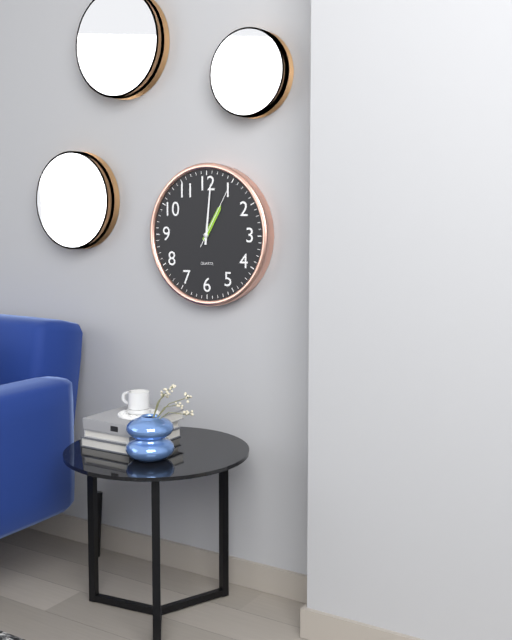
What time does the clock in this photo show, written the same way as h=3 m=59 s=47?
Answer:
h=1 m=1 s=5
